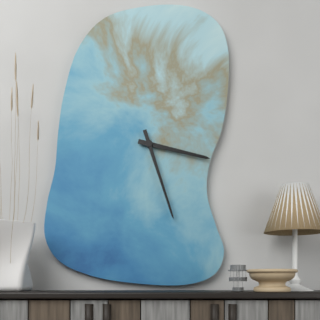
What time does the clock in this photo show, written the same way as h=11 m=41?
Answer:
h=3 m=27
